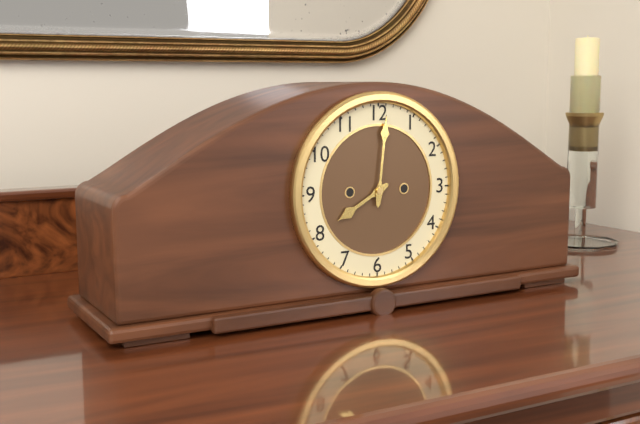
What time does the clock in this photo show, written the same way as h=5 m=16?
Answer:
h=8 m=1
